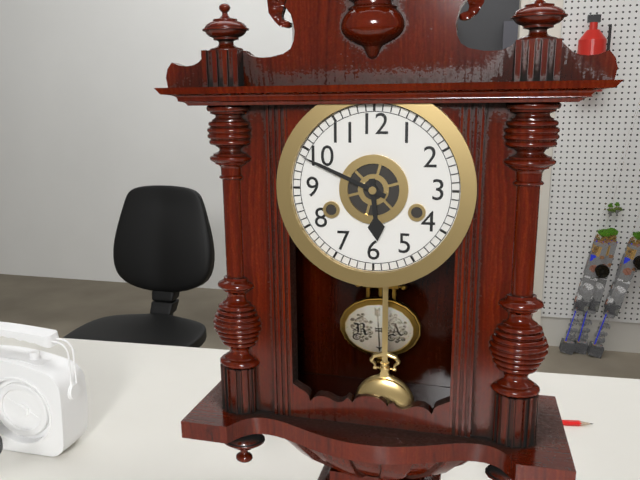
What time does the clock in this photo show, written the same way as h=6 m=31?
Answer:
h=5 m=49
